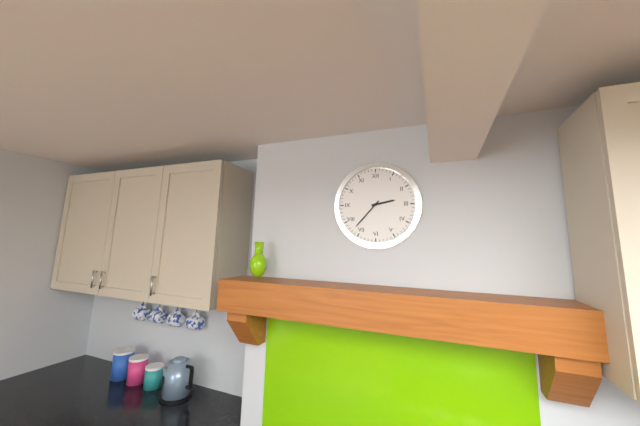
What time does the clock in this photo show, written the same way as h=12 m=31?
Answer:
h=2 m=37
